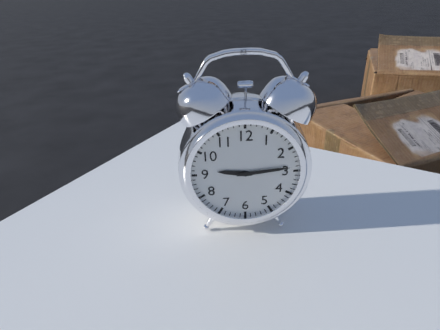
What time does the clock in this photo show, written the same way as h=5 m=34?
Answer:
h=9 m=14
